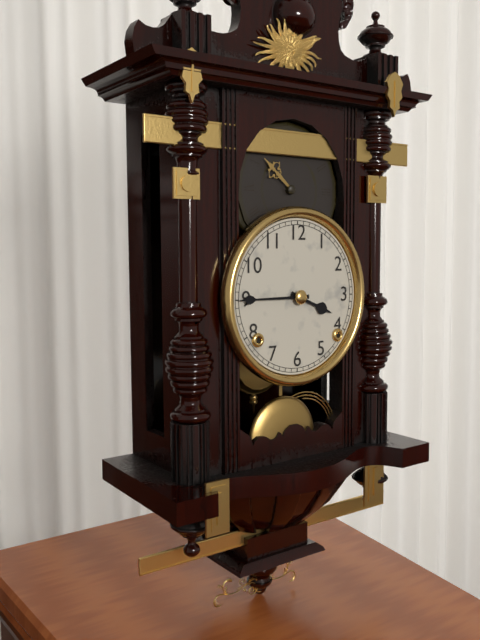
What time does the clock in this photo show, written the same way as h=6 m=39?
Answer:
h=3 m=45
